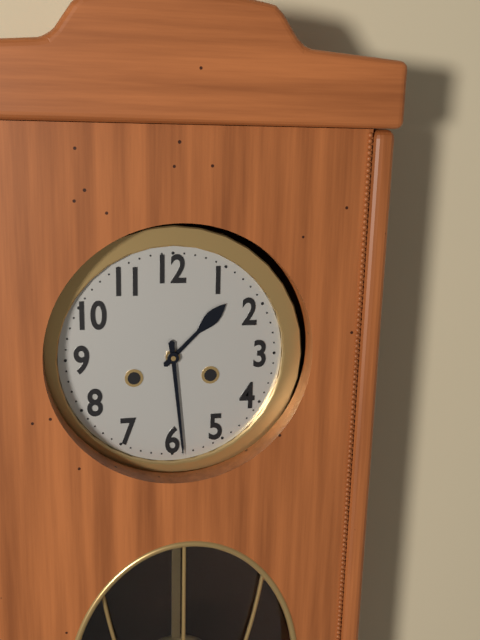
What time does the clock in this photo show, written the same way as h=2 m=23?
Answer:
h=1 m=29
